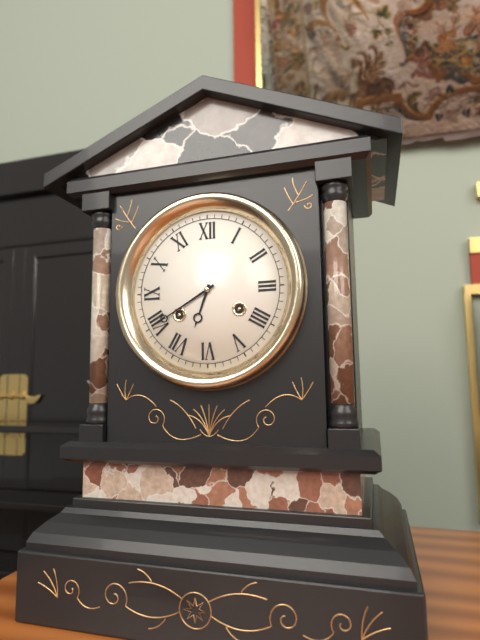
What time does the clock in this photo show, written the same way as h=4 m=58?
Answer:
h=6 m=40
